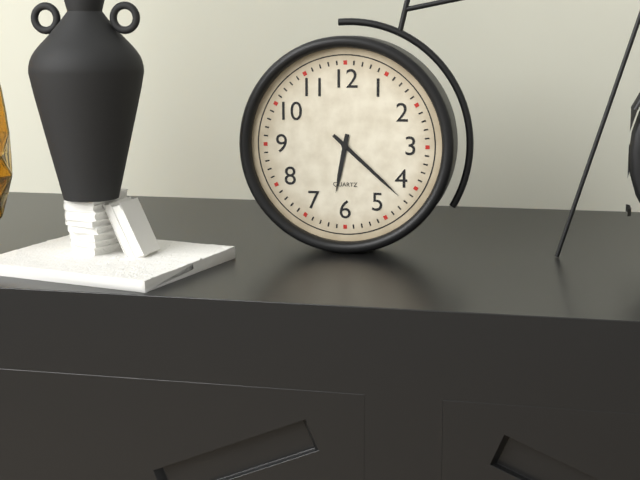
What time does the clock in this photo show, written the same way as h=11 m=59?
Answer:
h=6 m=22
